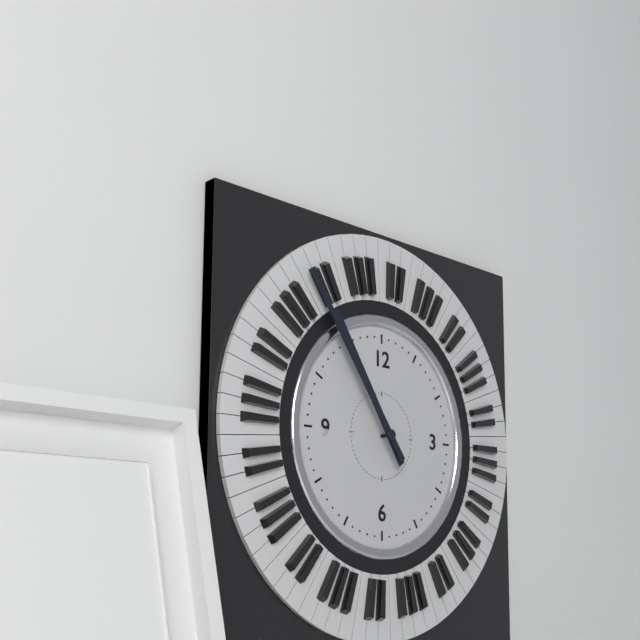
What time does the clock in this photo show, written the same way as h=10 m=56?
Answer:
h=10 m=54
